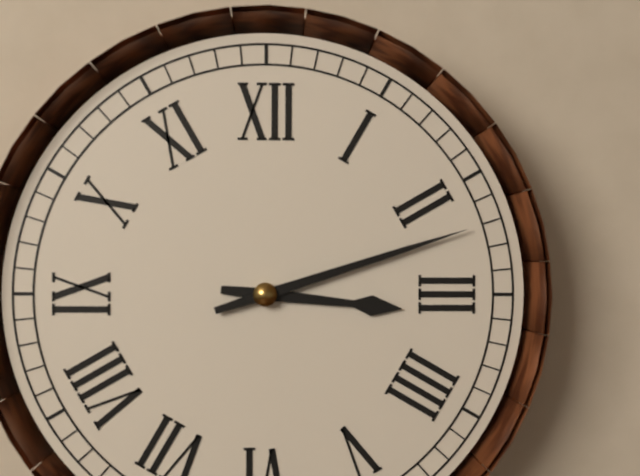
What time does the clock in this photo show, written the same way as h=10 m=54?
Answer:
h=3 m=12
